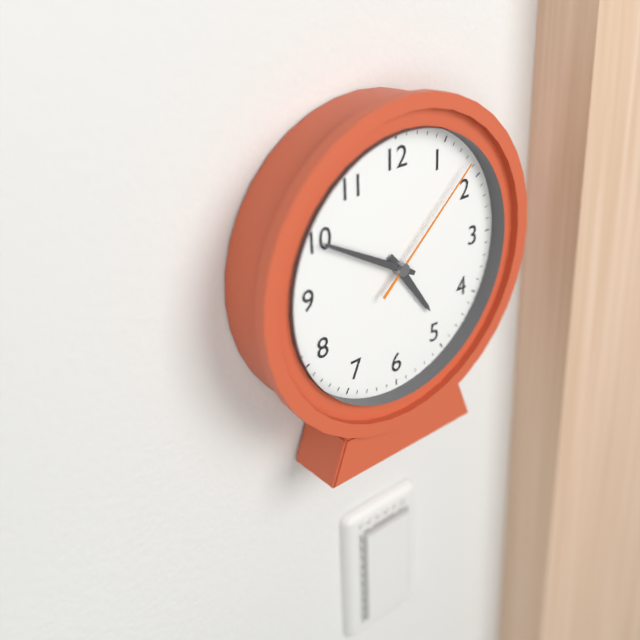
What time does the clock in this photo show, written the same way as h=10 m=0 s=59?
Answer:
h=4 m=50 s=8
